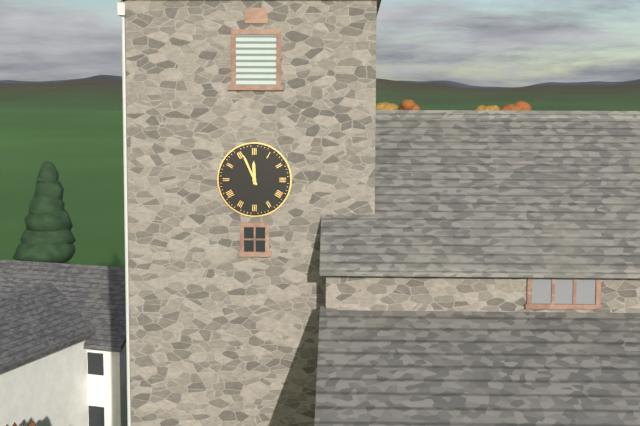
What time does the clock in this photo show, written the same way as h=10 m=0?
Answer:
h=11 m=56
